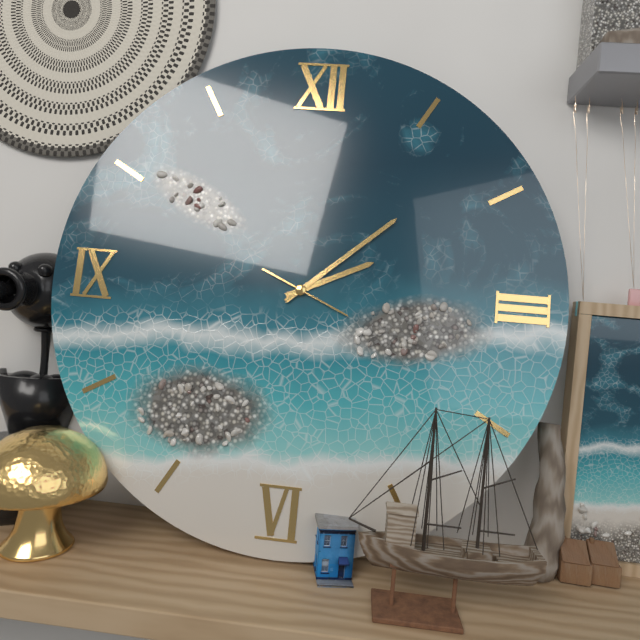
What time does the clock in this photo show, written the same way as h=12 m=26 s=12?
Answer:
h=2 m=8 s=19
